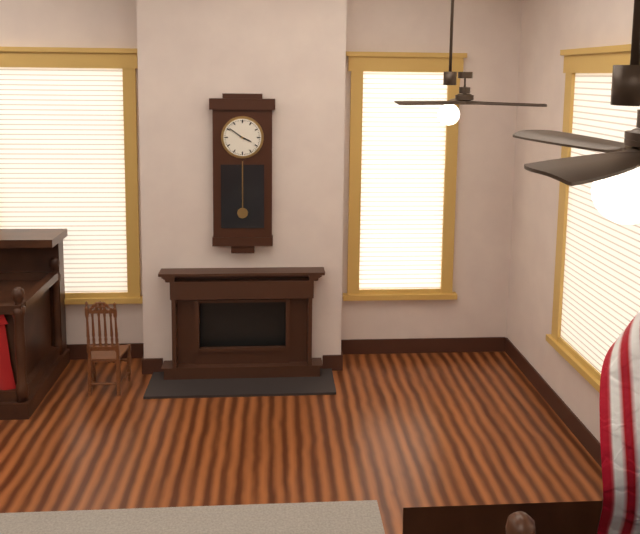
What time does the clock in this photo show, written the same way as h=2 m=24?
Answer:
h=3 m=51
